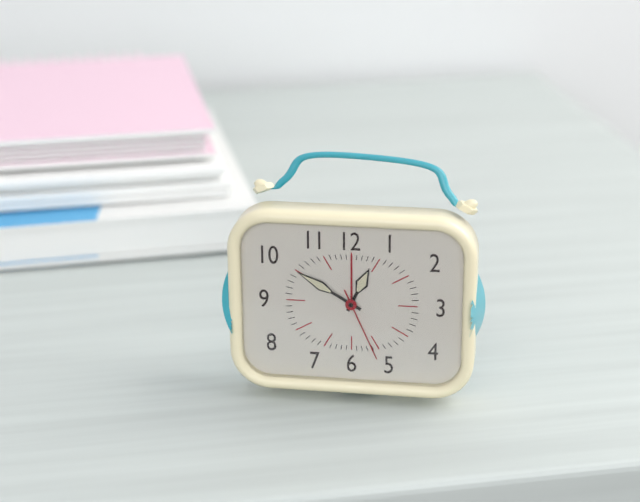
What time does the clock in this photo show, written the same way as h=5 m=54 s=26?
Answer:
h=12 m=50 s=26
